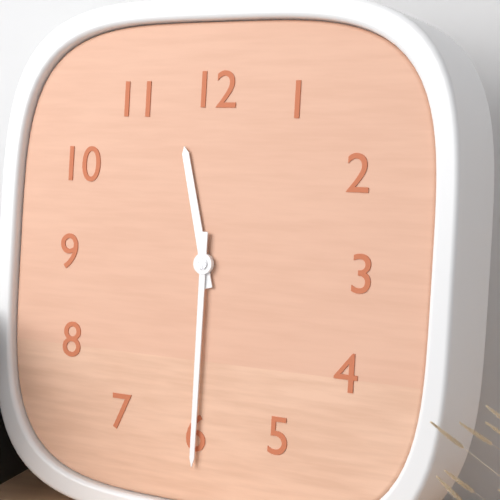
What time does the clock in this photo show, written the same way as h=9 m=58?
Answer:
h=11 m=30
